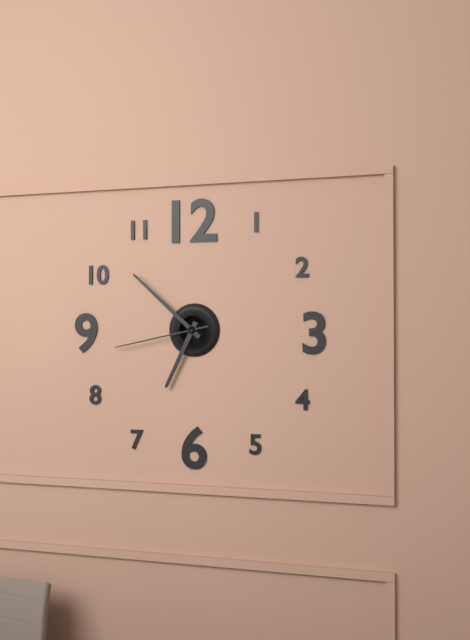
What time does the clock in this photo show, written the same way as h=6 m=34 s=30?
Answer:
h=6 m=52 s=43
